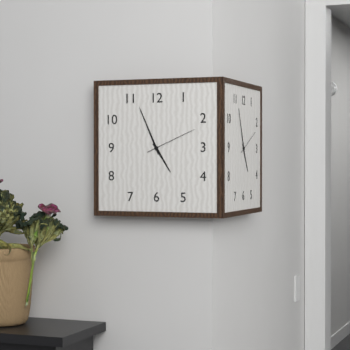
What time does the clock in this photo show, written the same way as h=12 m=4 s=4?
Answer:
h=4 m=56 s=11
